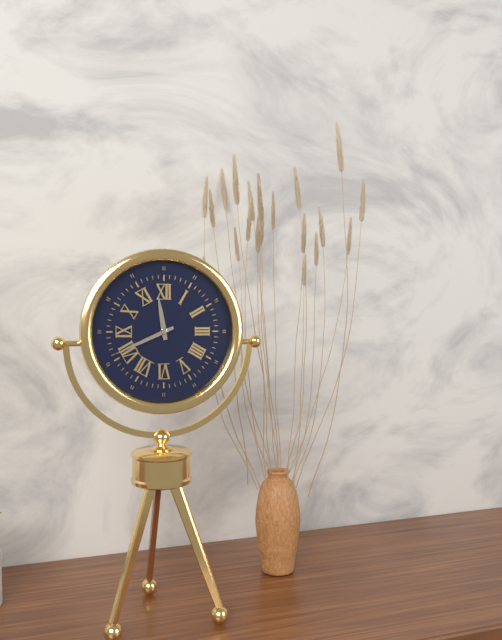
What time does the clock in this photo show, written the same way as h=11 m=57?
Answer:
h=11 m=41
